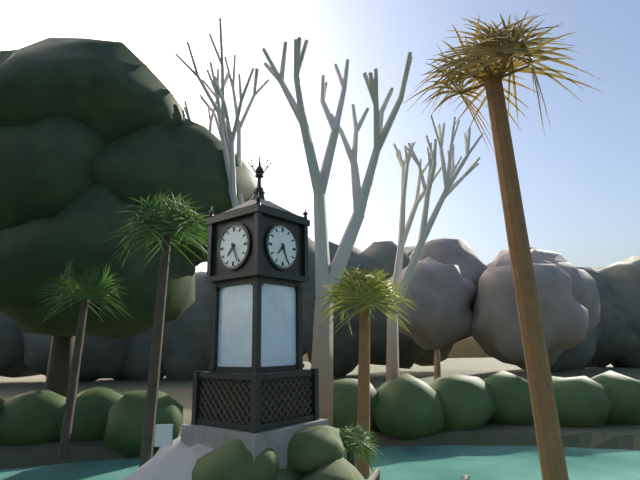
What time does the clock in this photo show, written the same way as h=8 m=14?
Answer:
h=7 m=26
